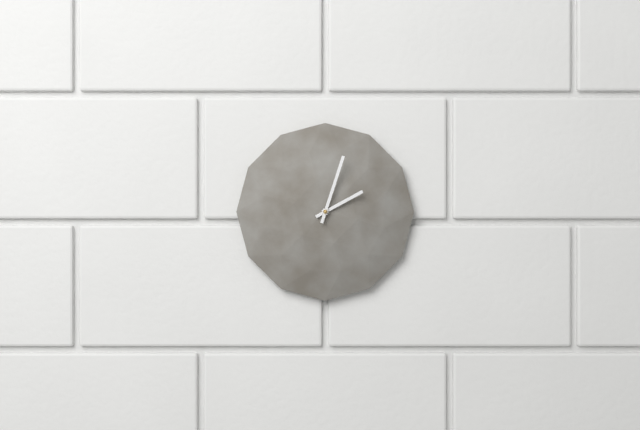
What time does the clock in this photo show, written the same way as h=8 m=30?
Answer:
h=2 m=3
